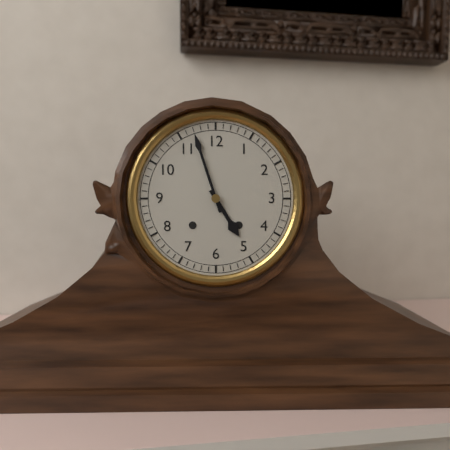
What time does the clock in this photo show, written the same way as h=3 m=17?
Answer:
h=4 m=57
